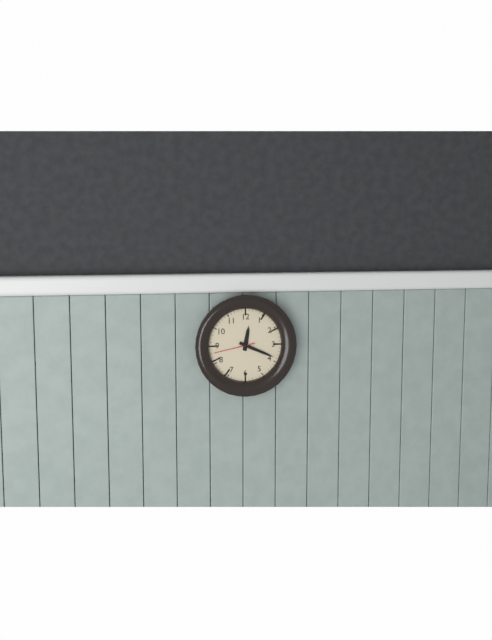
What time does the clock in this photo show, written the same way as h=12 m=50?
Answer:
h=12 m=19
